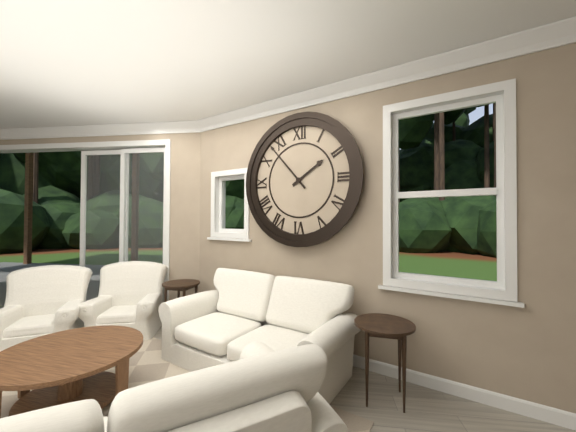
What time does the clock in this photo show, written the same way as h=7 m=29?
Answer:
h=1 m=53
